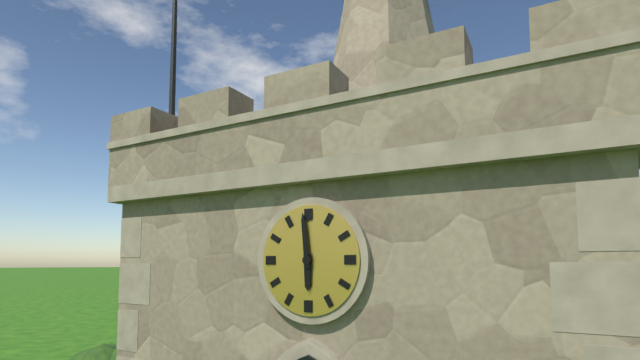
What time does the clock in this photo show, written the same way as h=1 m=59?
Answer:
h=5 m=59
